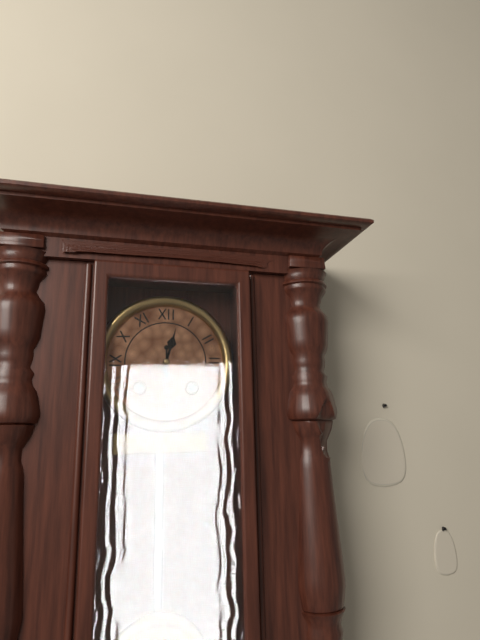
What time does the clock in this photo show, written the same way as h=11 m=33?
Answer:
h=12 m=30
